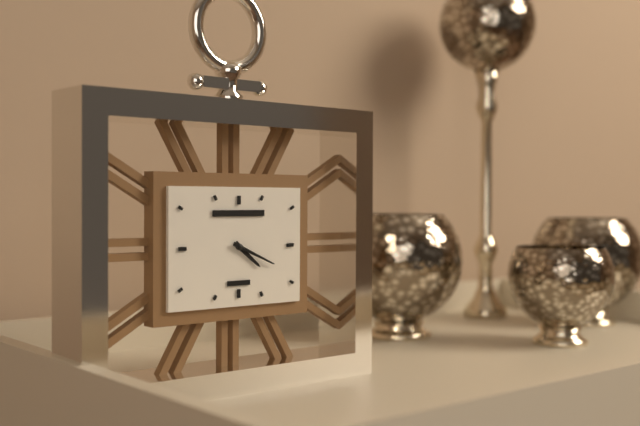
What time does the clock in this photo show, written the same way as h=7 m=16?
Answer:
h=4 m=19
